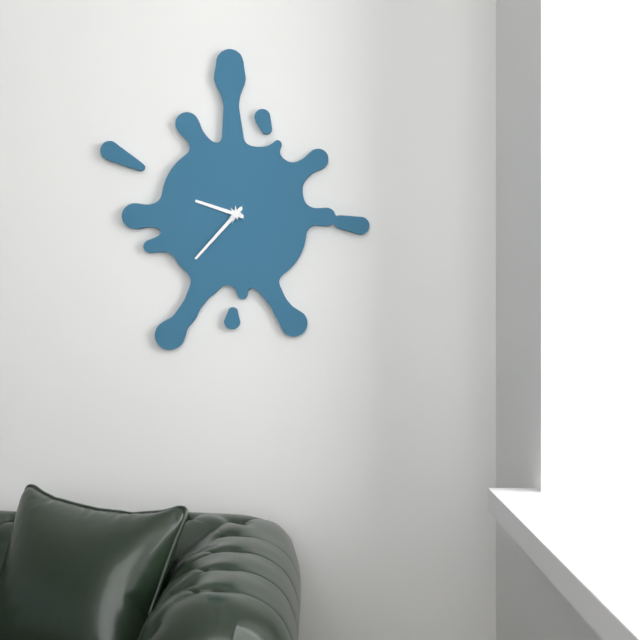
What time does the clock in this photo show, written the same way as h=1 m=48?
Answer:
h=9 m=37
